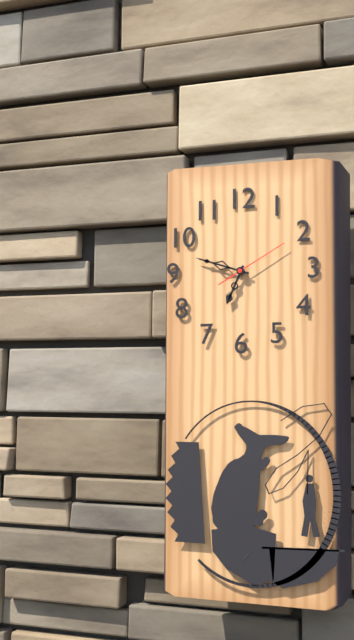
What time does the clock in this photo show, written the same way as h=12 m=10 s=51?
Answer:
h=6 m=48 s=10
